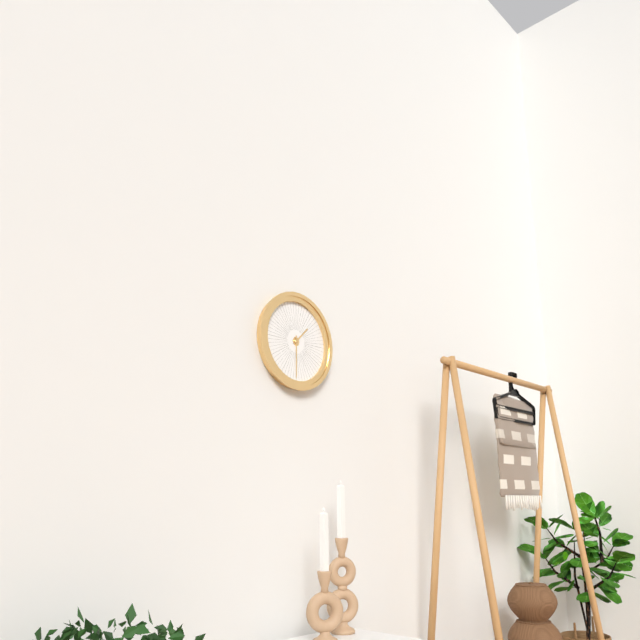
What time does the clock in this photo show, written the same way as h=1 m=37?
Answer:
h=1 m=30
